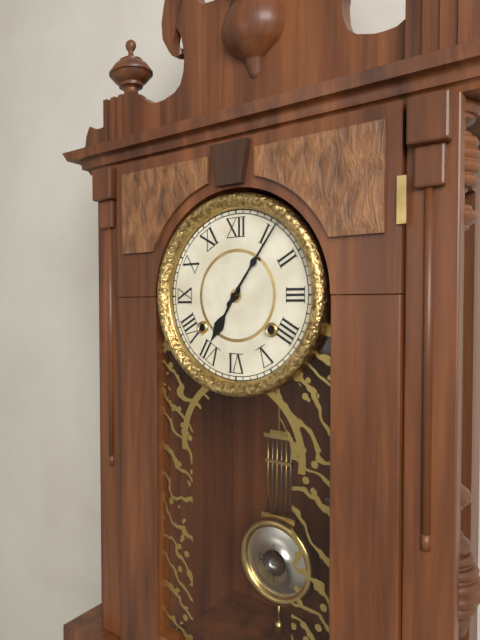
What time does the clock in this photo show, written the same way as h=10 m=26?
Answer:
h=7 m=6
